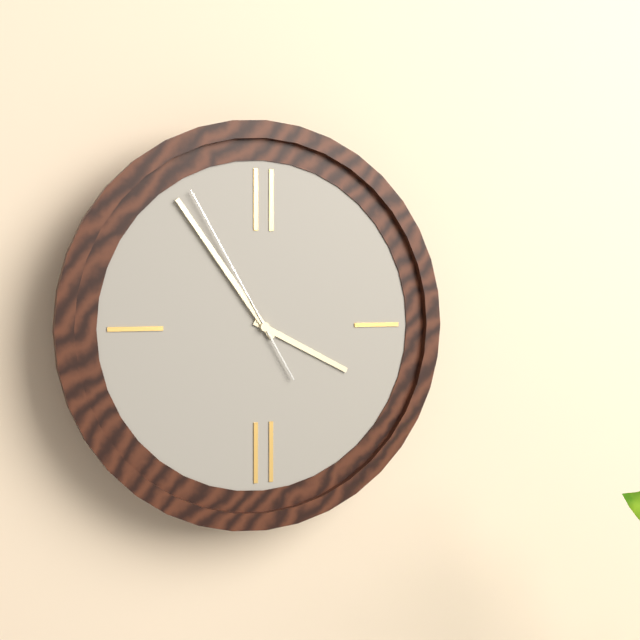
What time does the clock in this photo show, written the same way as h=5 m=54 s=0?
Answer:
h=3 m=54 s=55
